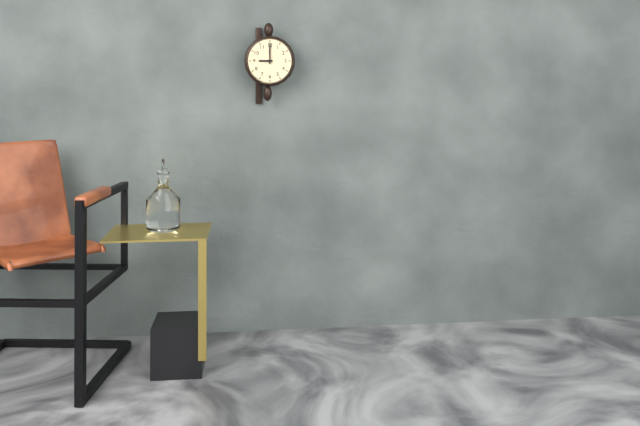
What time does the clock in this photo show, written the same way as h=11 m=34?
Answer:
h=9 m=0
